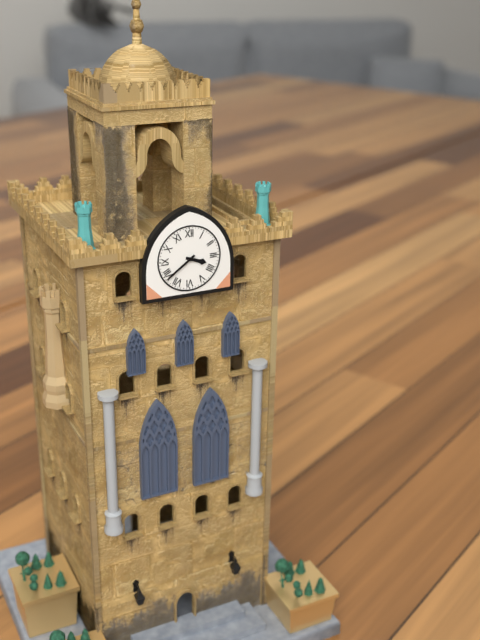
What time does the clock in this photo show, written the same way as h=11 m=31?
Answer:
h=3 m=39
